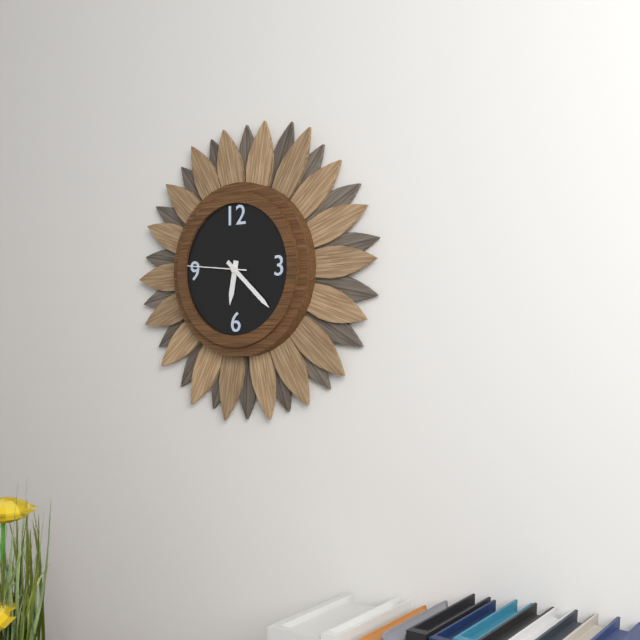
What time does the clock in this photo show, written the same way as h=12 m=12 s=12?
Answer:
h=6 m=22 s=46
